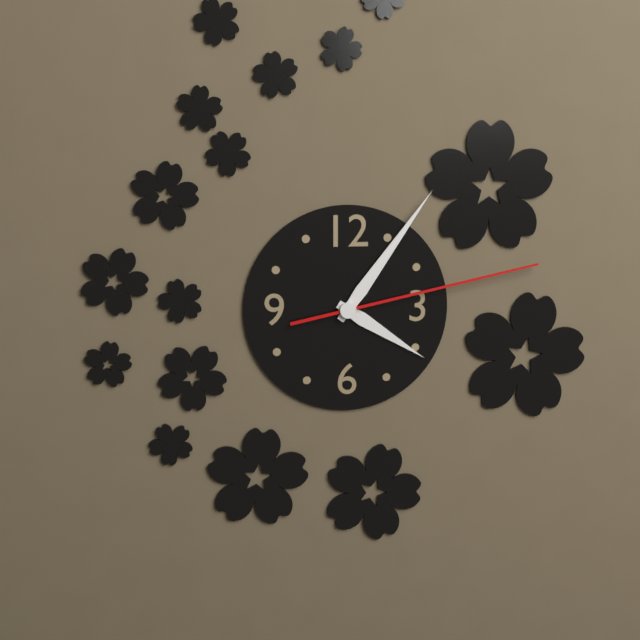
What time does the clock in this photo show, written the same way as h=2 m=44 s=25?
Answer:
h=4 m=6 s=13
